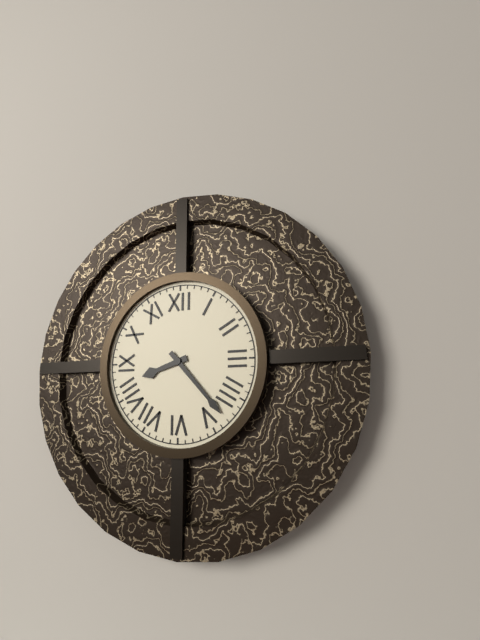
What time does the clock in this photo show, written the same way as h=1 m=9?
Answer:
h=8 m=23
